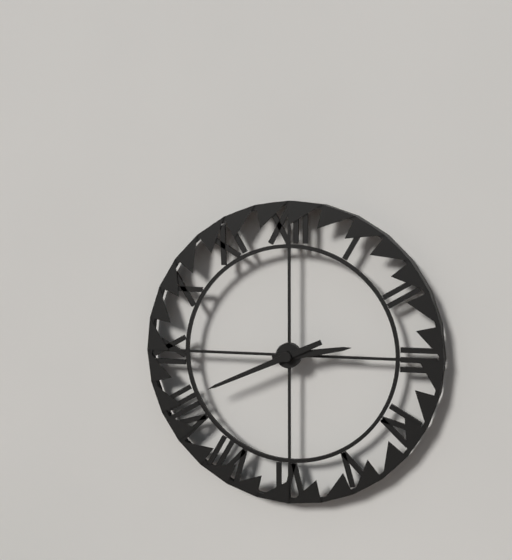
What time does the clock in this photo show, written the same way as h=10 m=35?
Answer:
h=2 m=41
